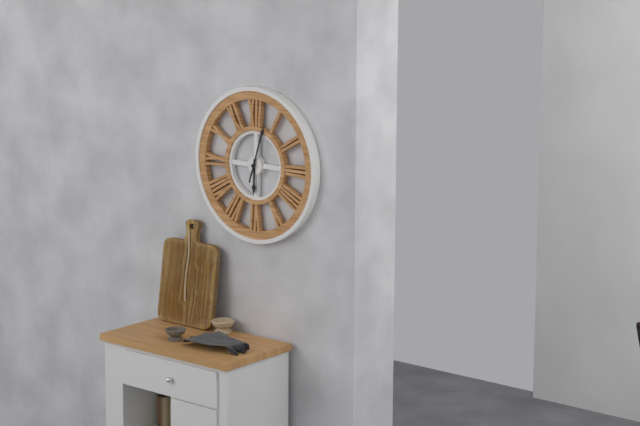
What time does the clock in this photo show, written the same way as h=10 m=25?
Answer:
h=6 m=3
